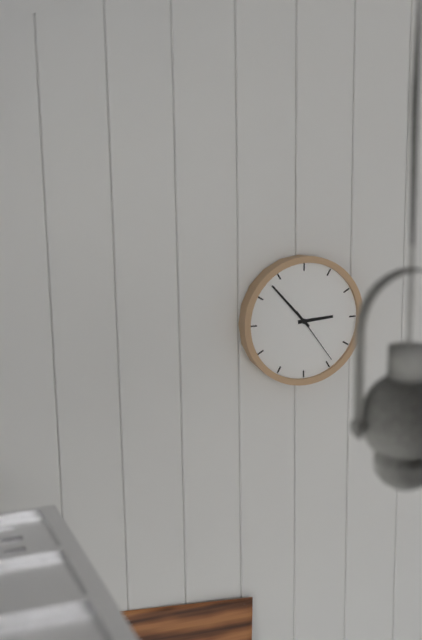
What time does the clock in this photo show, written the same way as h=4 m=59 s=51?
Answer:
h=2 m=53 s=24
